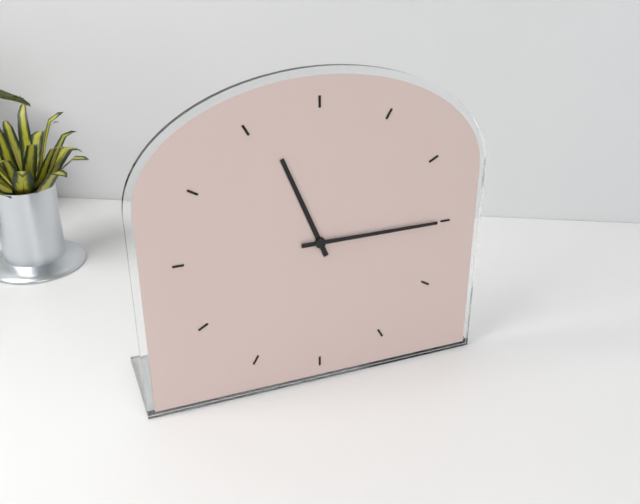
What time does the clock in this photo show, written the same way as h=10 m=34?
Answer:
h=11 m=15
